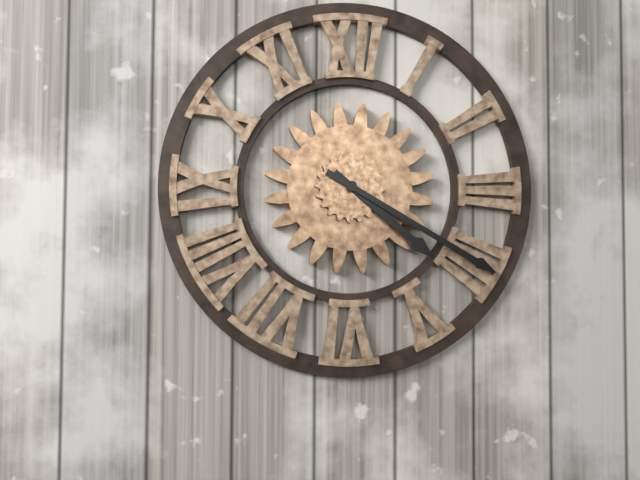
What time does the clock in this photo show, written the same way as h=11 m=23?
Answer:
h=4 m=20
